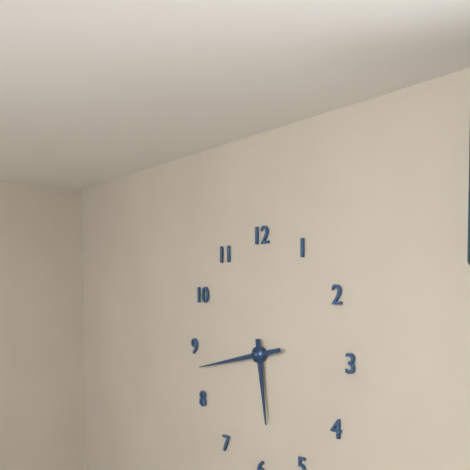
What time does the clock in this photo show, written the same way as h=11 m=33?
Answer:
h=5 m=43
